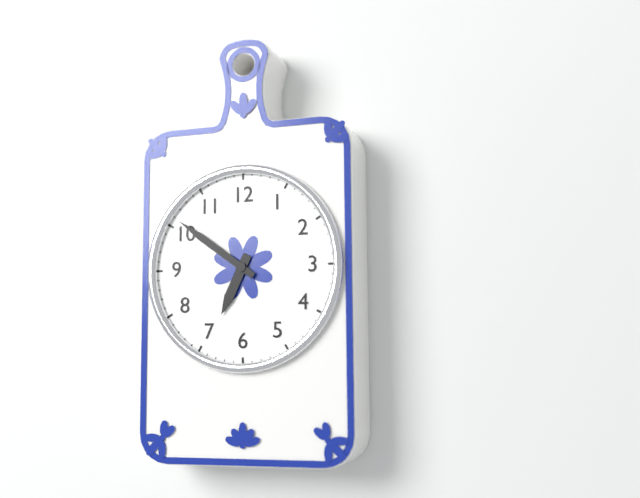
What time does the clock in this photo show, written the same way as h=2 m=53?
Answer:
h=6 m=51
